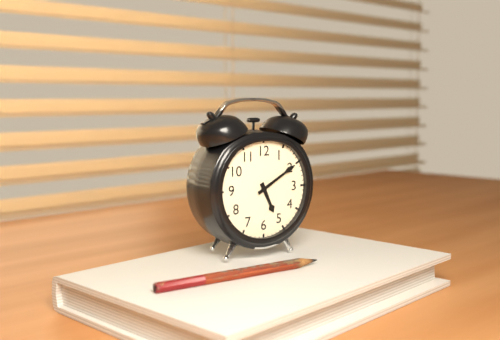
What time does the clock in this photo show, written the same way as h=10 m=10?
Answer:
h=5 m=10
